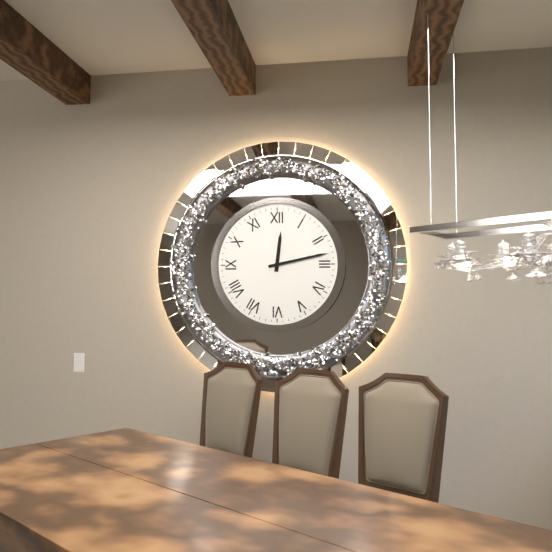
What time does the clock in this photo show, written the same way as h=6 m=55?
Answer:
h=12 m=13
